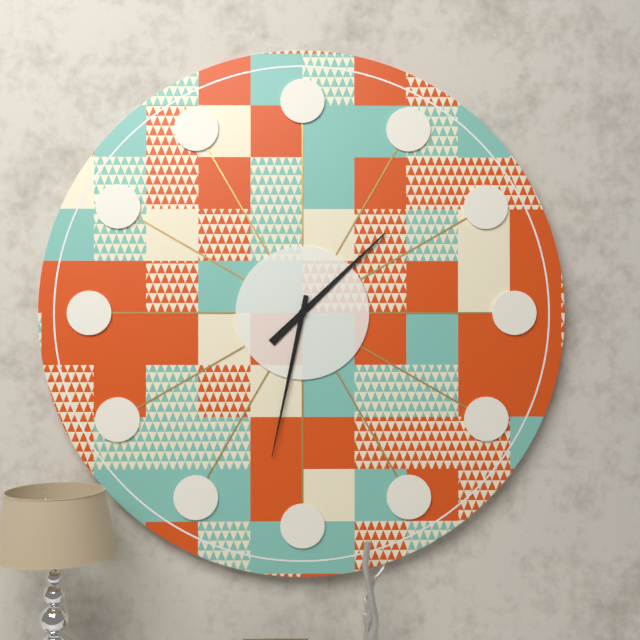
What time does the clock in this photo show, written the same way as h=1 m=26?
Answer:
h=1 m=32
